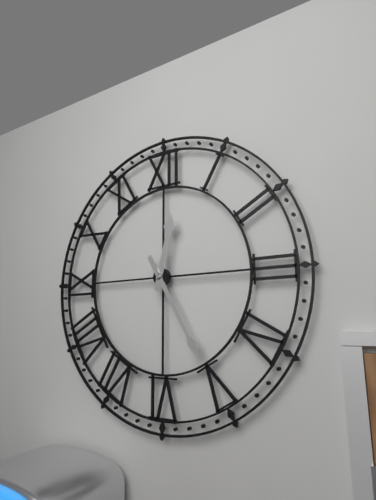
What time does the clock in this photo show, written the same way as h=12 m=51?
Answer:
h=12 m=25
